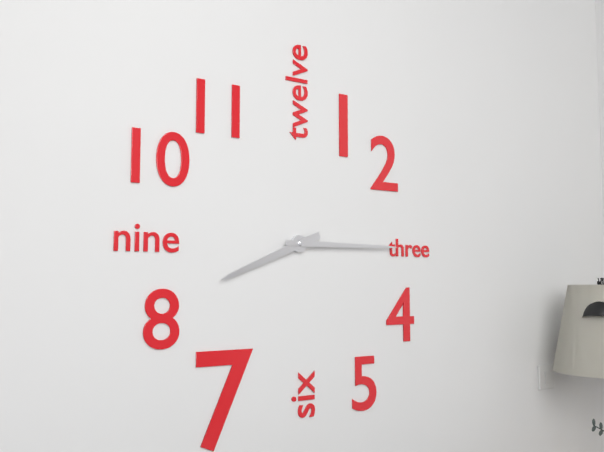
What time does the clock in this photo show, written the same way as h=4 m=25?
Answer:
h=8 m=15
